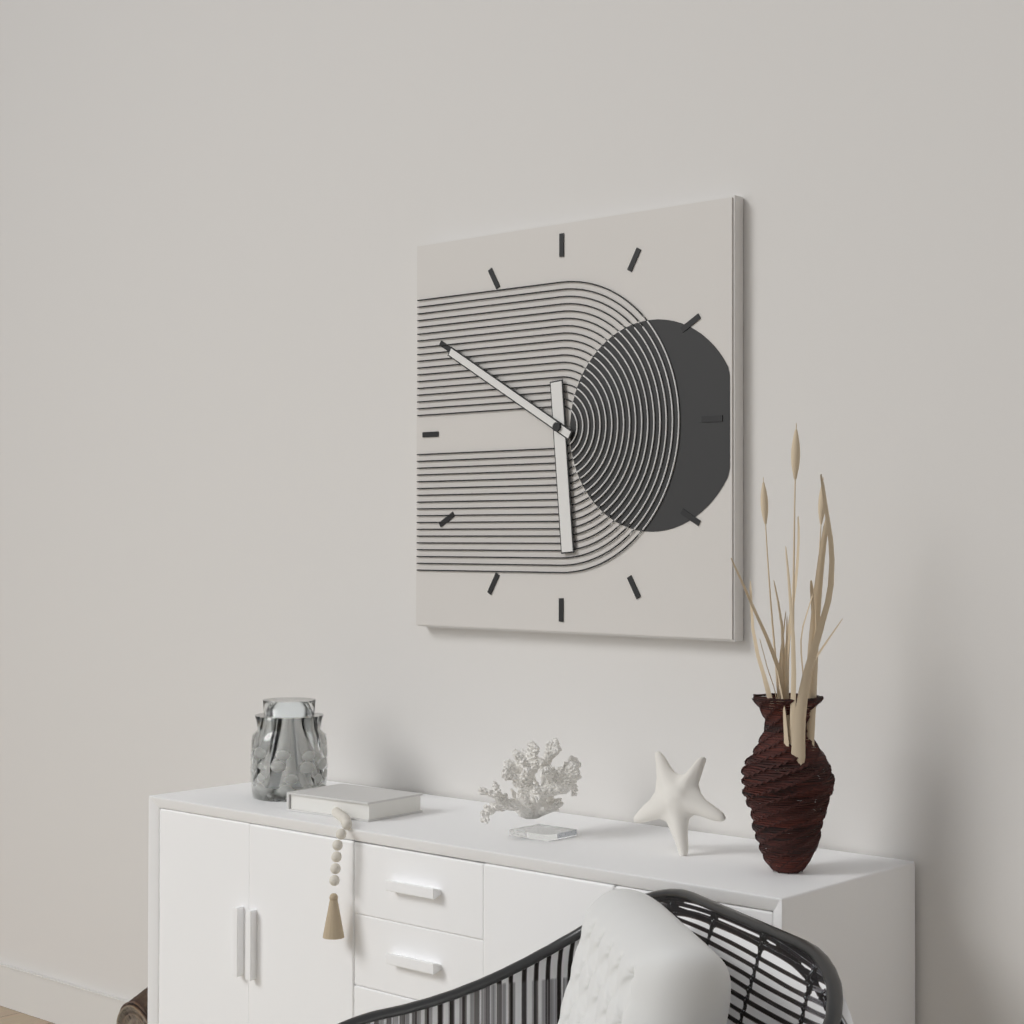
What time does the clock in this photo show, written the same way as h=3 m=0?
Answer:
h=5 m=50
